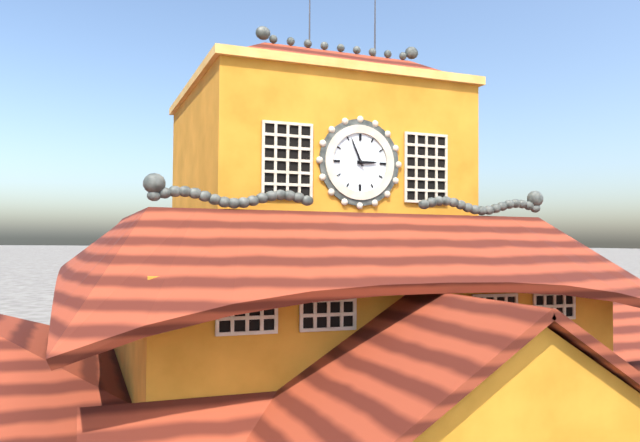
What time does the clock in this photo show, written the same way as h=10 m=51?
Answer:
h=2 m=56
